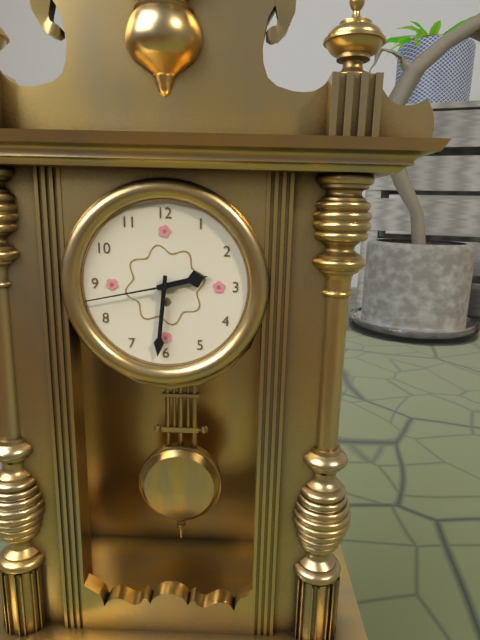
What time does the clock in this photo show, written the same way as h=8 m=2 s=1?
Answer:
h=2 m=31 s=43
